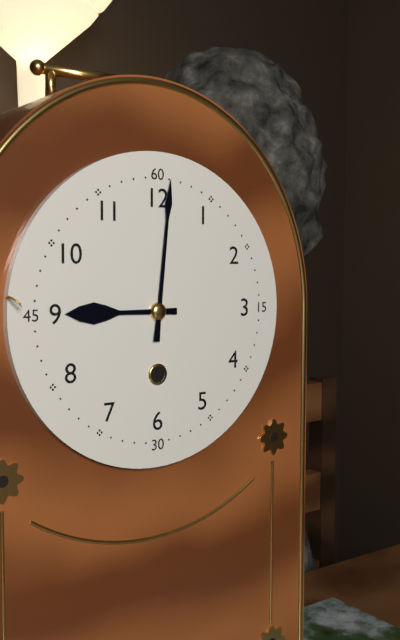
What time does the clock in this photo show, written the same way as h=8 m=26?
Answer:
h=9 m=1
